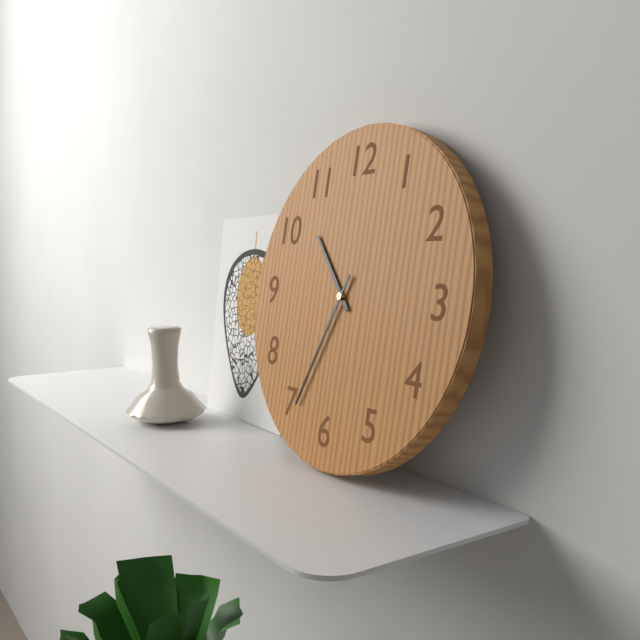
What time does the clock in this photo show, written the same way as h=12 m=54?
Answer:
h=10 m=34
